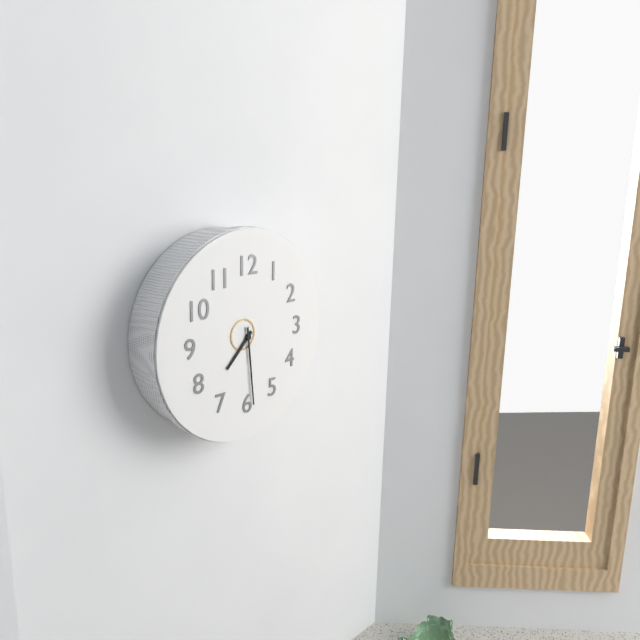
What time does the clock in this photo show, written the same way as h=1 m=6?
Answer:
h=7 m=29
